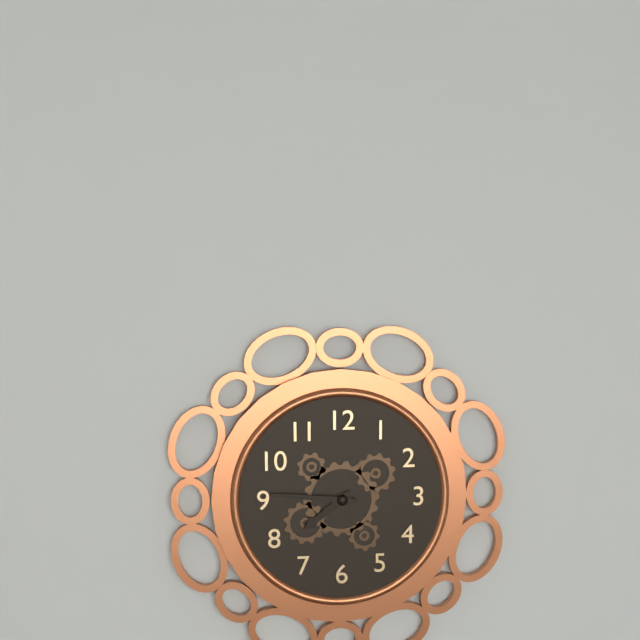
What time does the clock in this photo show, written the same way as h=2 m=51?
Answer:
h=7 m=46
